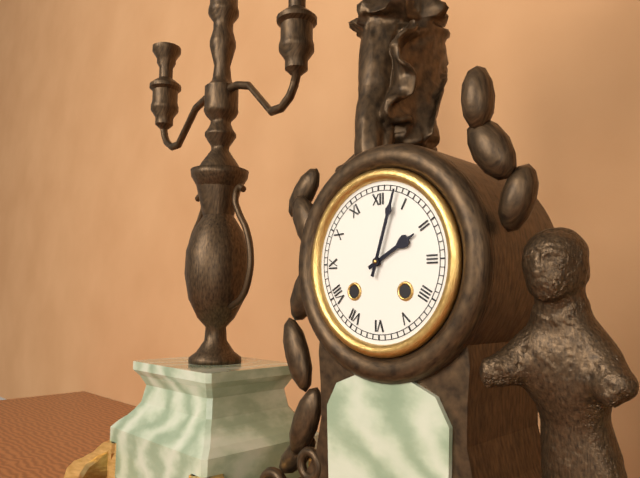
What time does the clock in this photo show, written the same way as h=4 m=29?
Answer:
h=2 m=3
